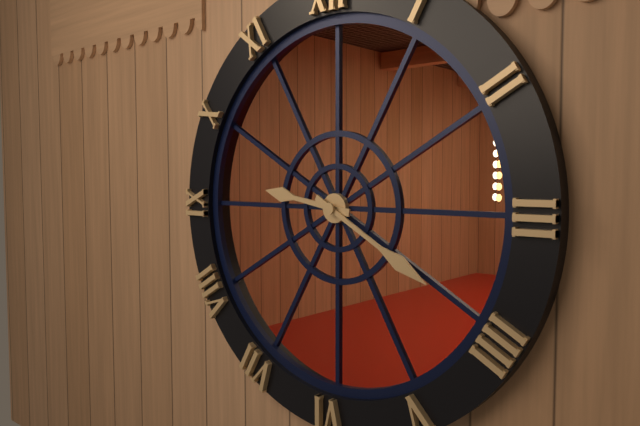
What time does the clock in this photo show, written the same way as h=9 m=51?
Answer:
h=9 m=20
